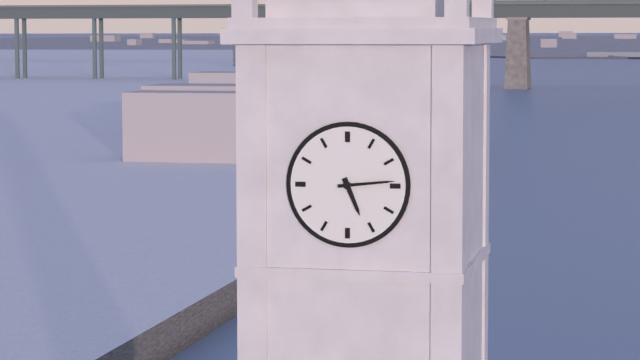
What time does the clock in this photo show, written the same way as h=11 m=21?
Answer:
h=5 m=14
